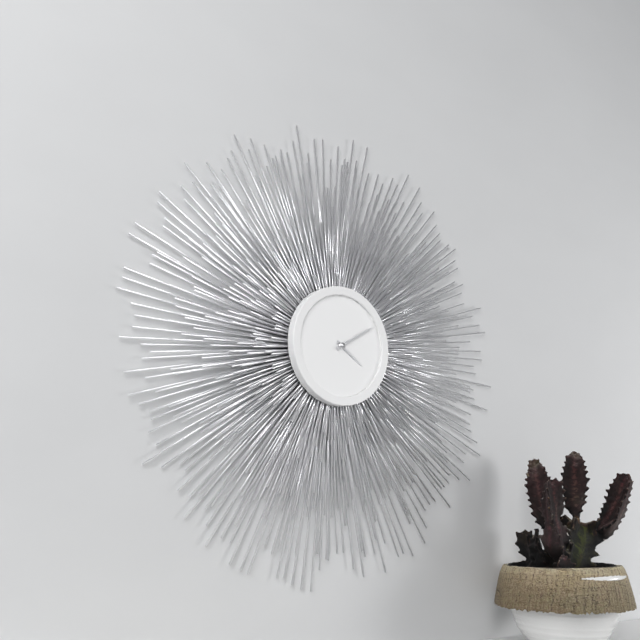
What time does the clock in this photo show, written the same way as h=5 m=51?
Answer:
h=4 m=10
